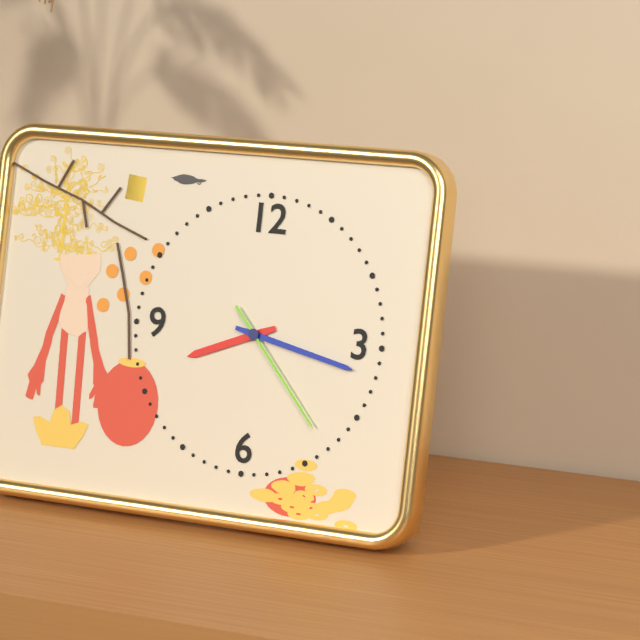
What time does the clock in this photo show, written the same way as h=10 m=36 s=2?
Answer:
h=8 m=17 s=23
